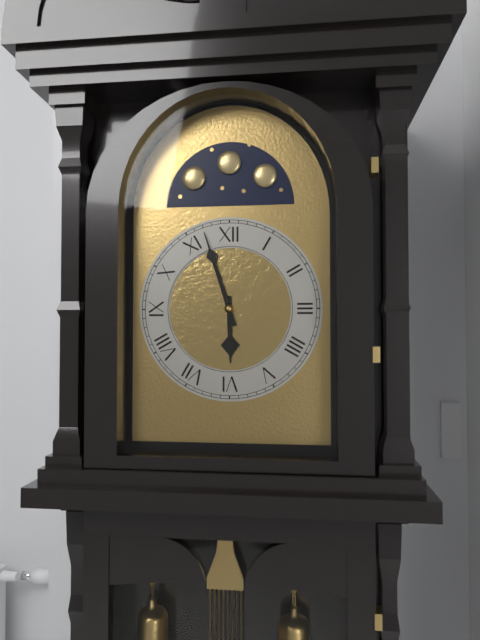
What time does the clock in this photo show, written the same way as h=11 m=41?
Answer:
h=5 m=57
